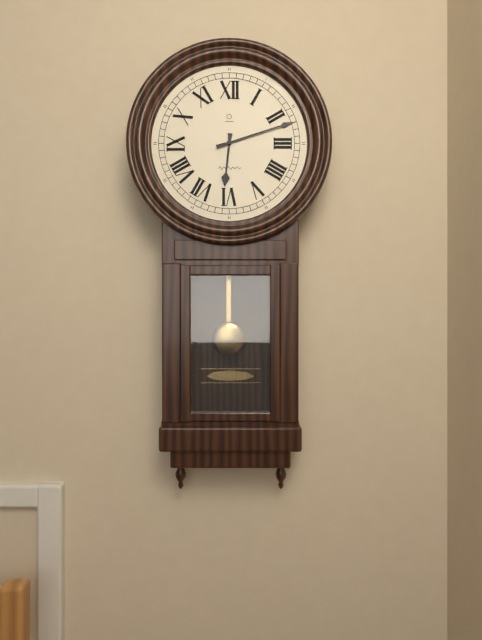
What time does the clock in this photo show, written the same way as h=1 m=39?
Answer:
h=6 m=12
